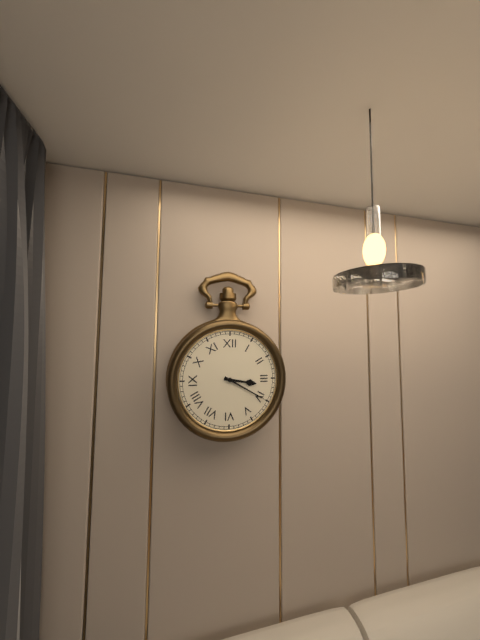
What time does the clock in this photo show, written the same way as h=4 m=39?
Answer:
h=3 m=20
